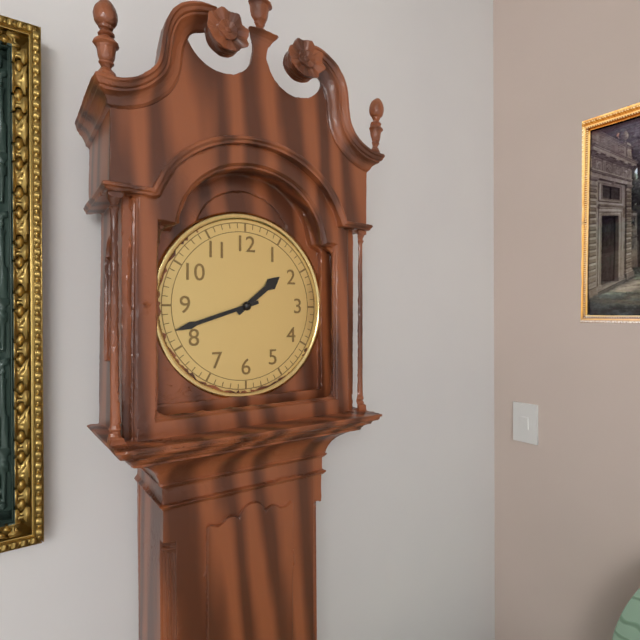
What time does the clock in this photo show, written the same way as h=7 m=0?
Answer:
h=1 m=42
